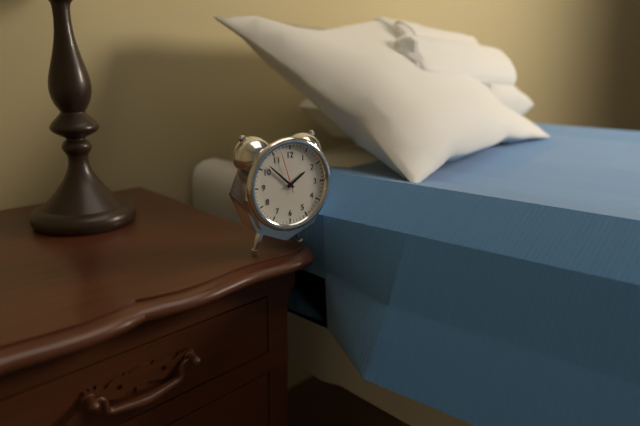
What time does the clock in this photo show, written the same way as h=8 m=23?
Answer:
h=1 m=52
